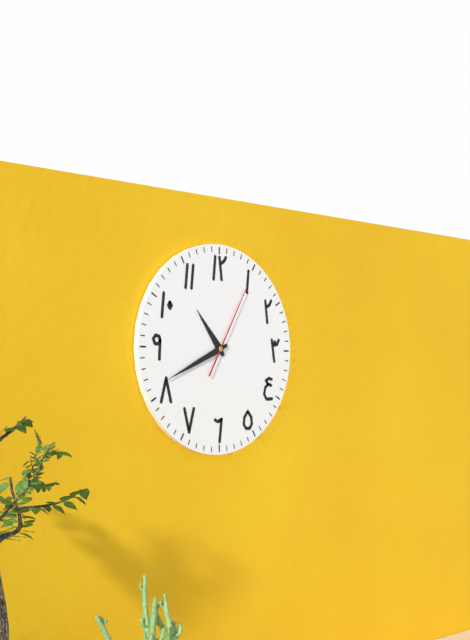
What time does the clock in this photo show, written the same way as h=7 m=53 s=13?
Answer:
h=10 m=41 s=5
